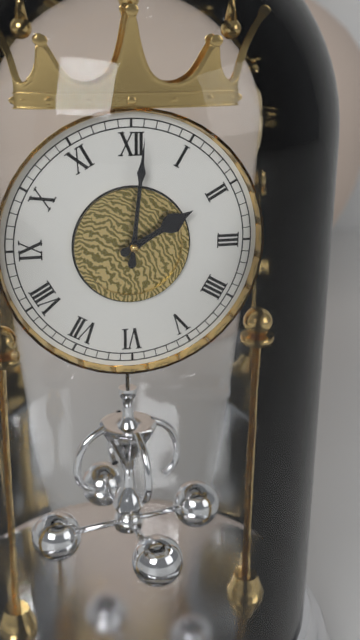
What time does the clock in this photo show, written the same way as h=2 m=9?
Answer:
h=2 m=1
